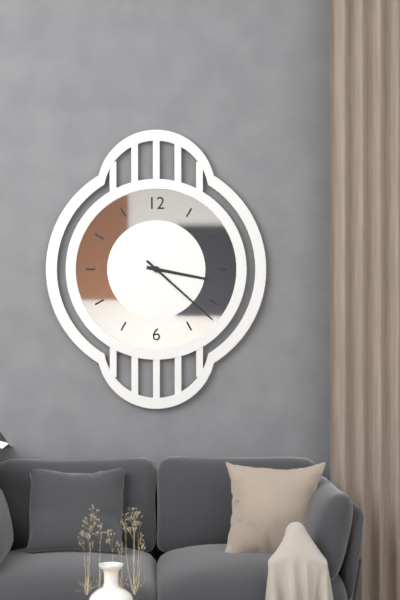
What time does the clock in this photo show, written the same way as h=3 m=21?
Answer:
h=3 m=22
